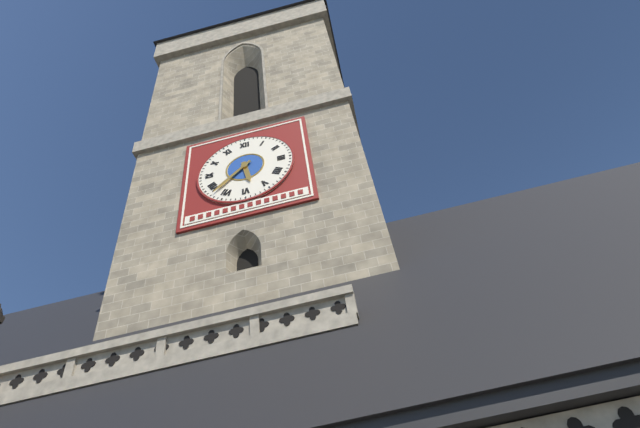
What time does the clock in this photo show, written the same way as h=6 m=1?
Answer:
h=5 m=38
